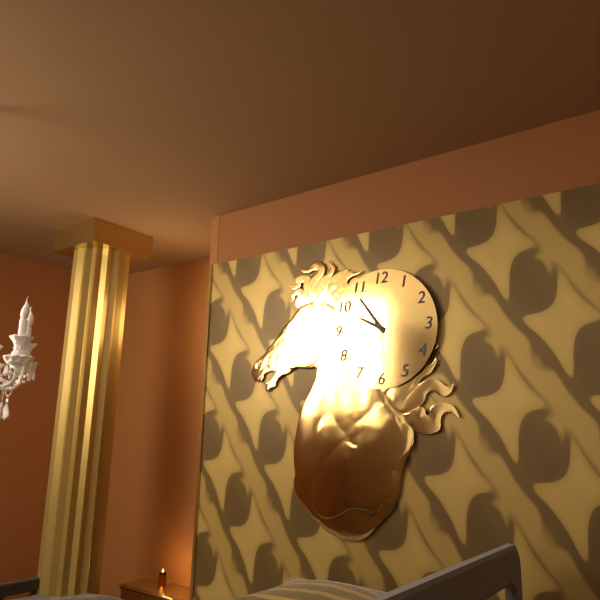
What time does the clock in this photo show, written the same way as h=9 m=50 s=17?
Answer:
h=9 m=54 s=29
